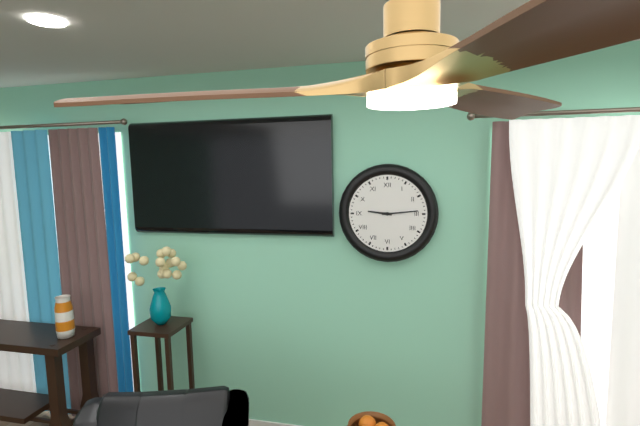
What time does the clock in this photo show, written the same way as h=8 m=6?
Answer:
h=9 m=14
